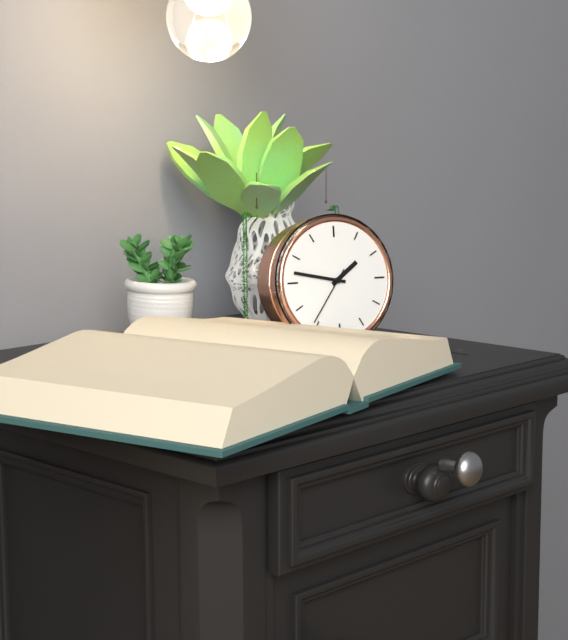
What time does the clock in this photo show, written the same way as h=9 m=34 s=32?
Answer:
h=1 m=47 s=36
